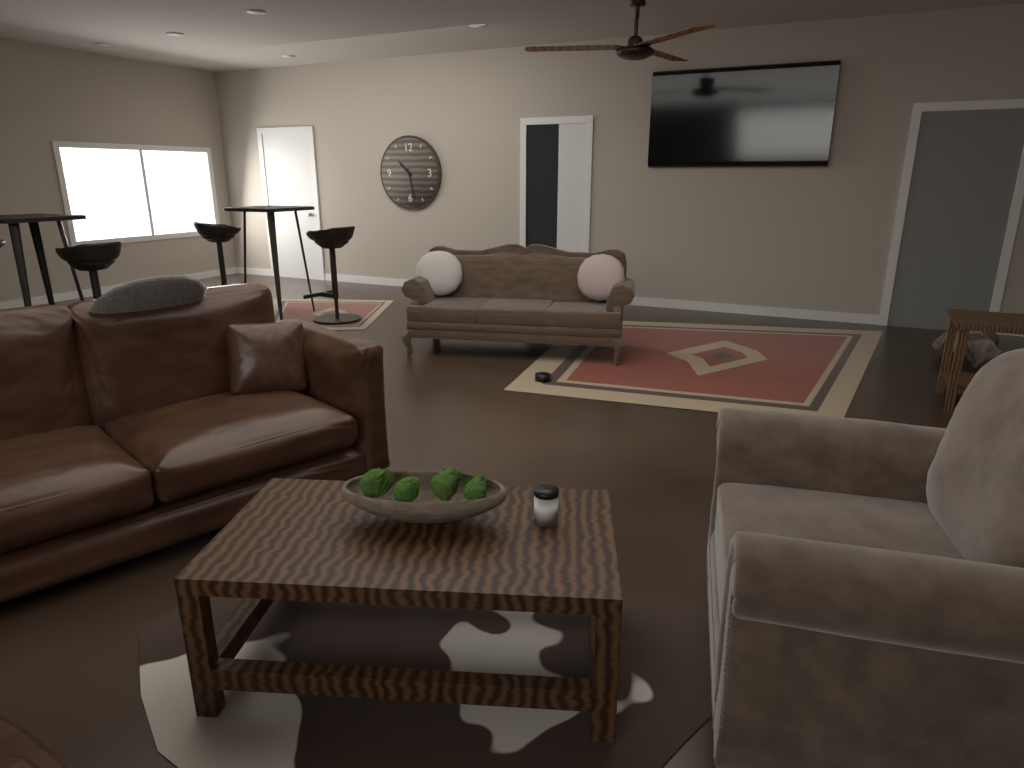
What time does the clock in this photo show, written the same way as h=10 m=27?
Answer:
h=10 m=28
